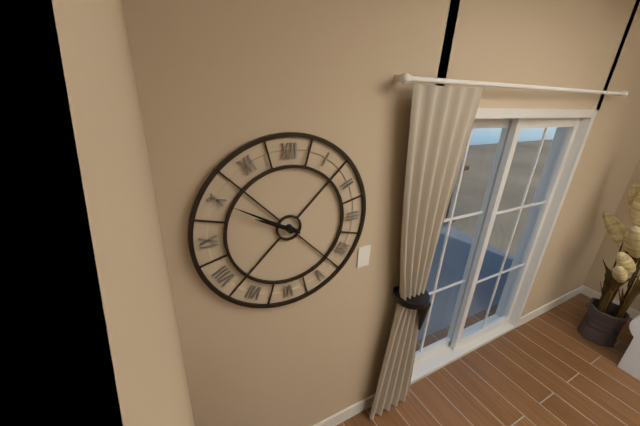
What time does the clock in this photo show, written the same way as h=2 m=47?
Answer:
h=9 m=50
